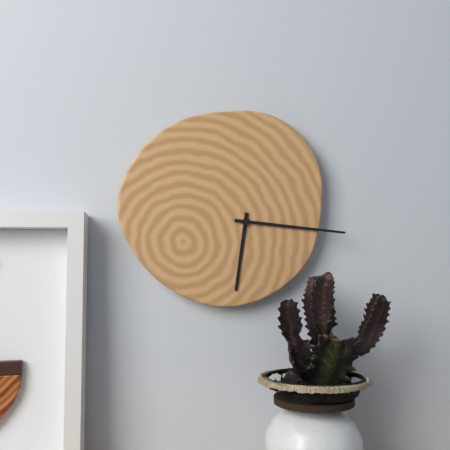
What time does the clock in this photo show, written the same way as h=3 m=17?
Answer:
h=6 m=16
